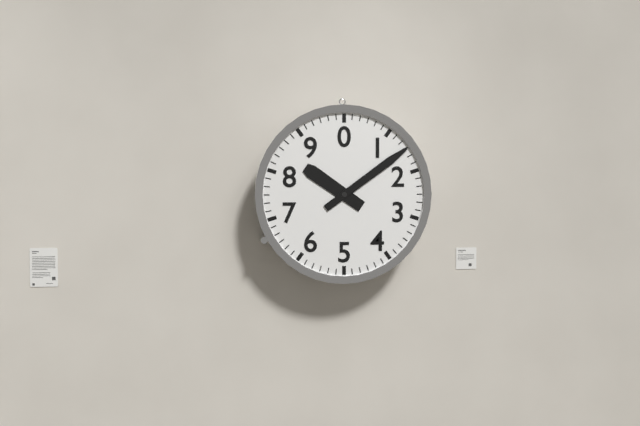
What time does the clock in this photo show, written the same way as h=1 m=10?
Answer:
h=10 m=9
